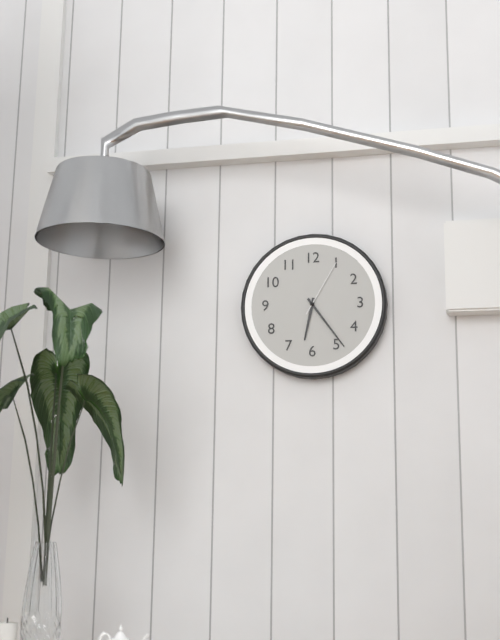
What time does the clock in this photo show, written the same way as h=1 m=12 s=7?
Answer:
h=6 m=24 s=5
